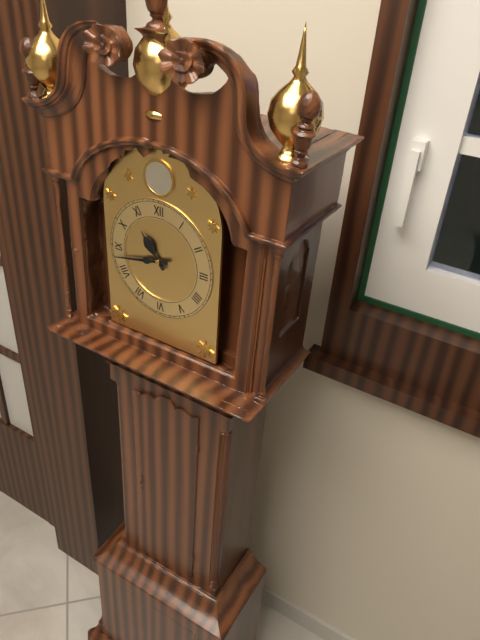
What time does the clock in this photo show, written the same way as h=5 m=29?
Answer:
h=10 m=43
